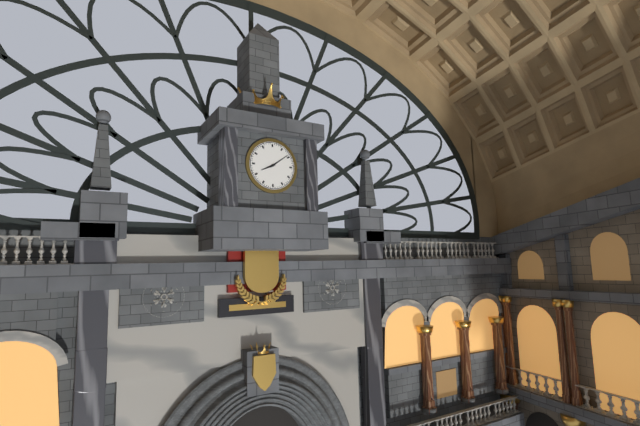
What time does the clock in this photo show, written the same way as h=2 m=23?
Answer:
h=8 m=9
